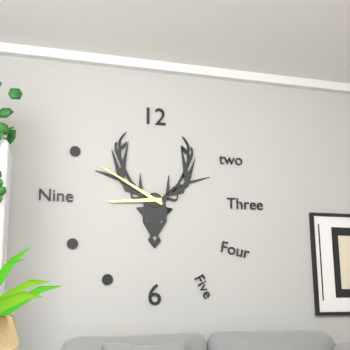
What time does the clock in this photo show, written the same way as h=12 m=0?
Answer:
h=8 m=50
